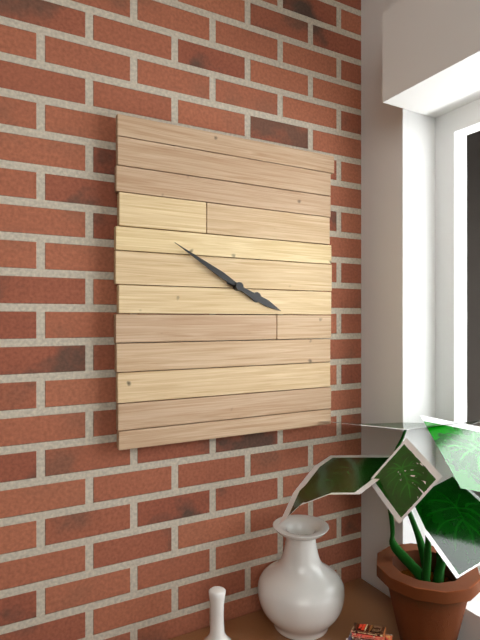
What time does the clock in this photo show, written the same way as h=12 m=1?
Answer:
h=3 m=50
